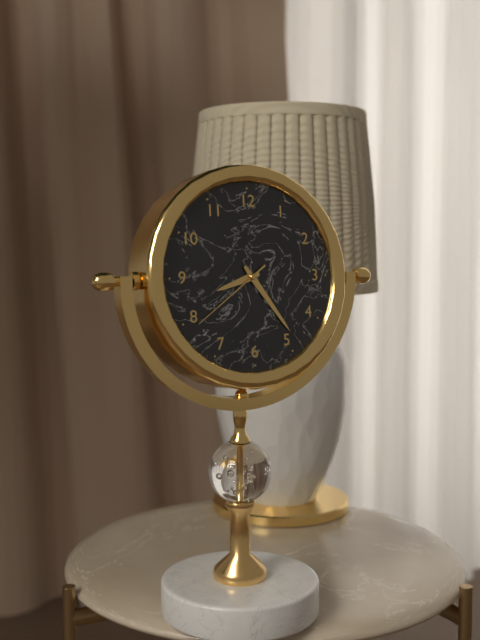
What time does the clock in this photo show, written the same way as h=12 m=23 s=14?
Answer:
h=8 m=24 s=39
